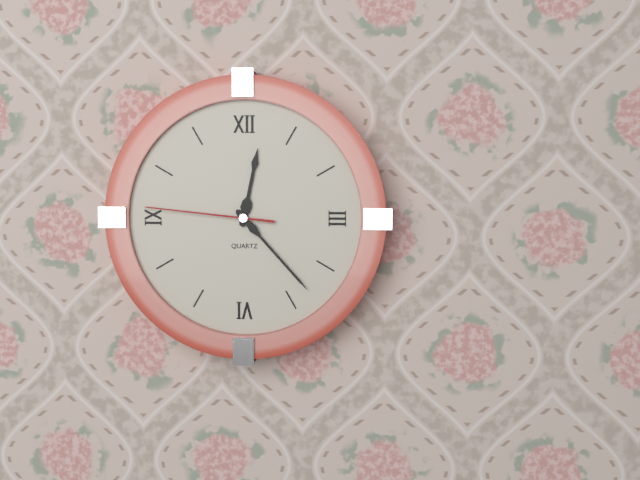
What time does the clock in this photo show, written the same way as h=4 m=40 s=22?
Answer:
h=12 m=23 s=46
